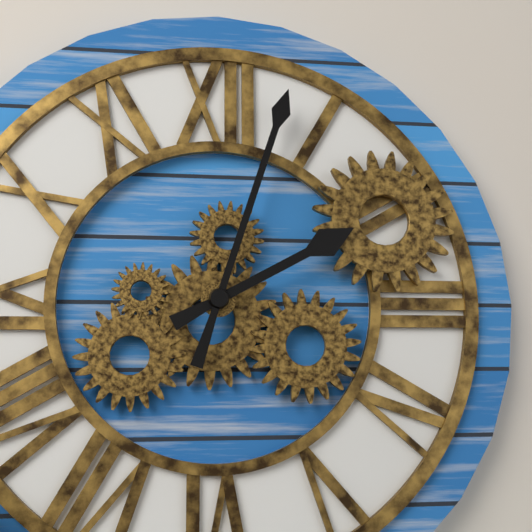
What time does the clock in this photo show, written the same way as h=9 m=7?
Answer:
h=2 m=3
